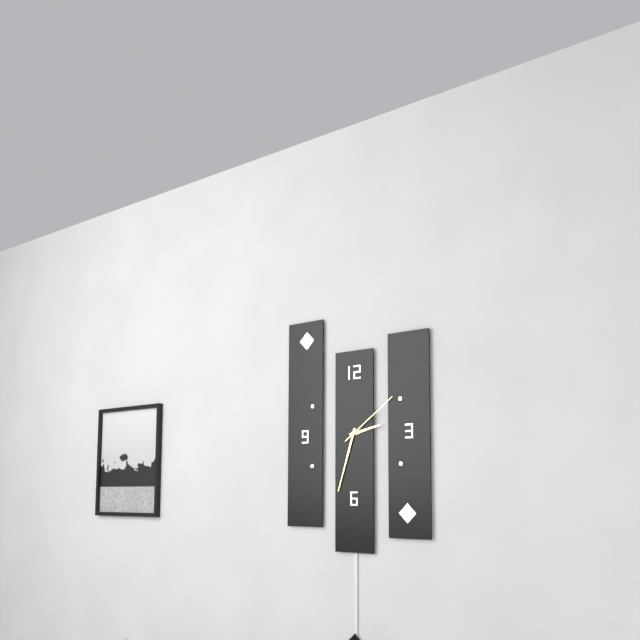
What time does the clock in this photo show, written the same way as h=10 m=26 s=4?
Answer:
h=2 m=33 s=9
